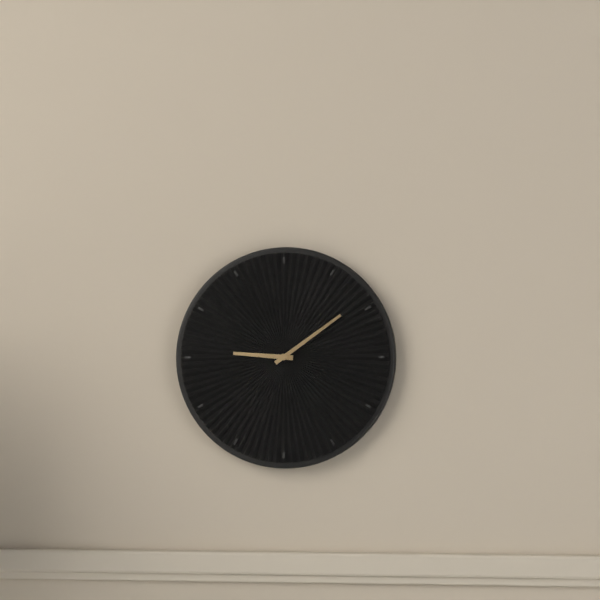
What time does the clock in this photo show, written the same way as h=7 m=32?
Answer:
h=9 m=9
